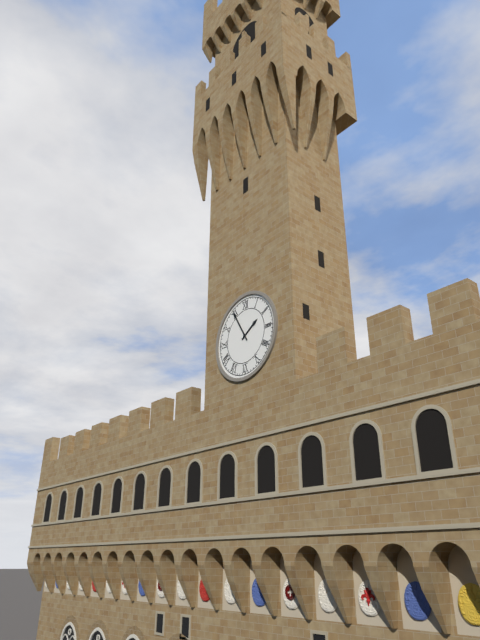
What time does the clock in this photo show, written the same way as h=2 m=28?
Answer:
h=1 m=55
